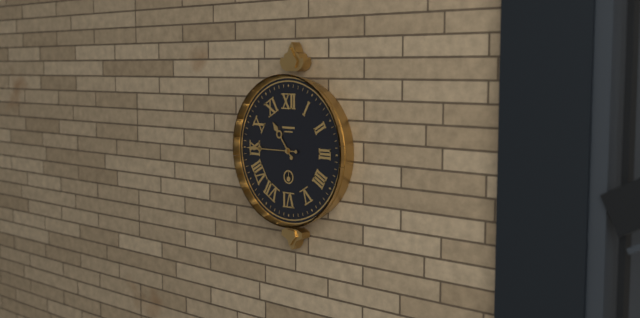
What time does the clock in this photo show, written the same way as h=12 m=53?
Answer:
h=10 m=45
